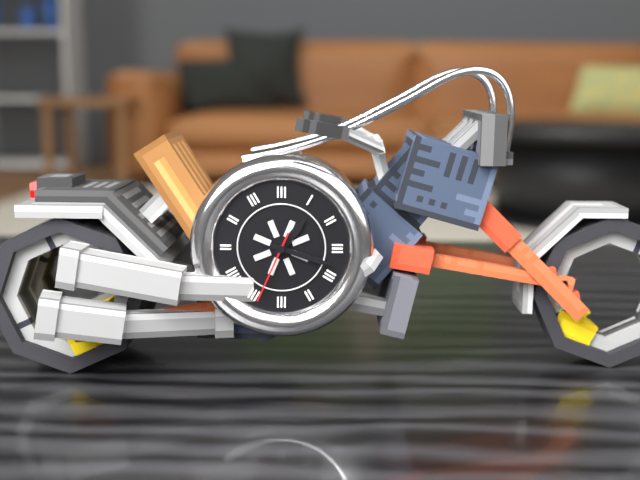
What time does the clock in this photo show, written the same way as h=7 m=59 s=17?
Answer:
h=1 m=18 s=34
